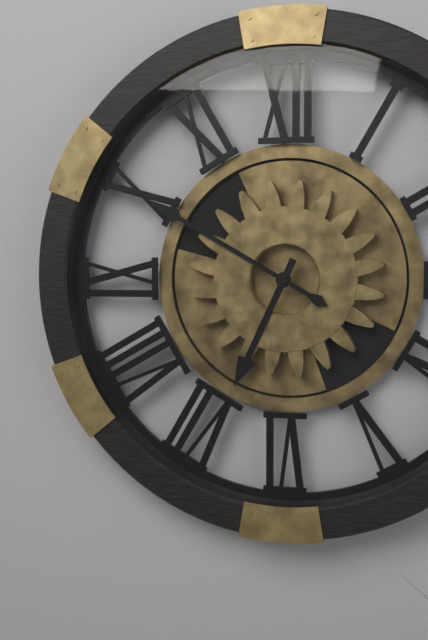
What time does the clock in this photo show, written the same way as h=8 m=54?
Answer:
h=6 m=50
